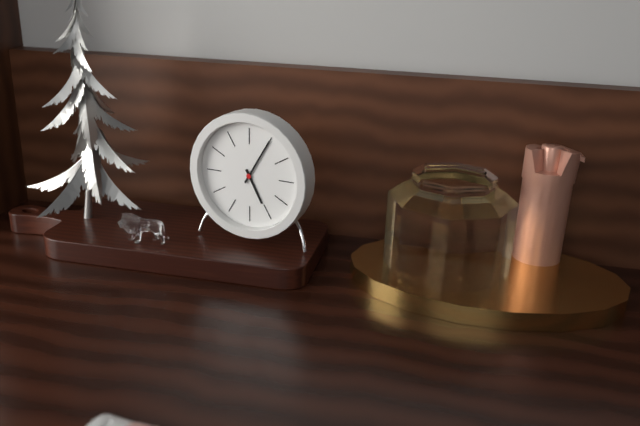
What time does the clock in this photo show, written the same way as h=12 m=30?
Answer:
h=5 m=5
